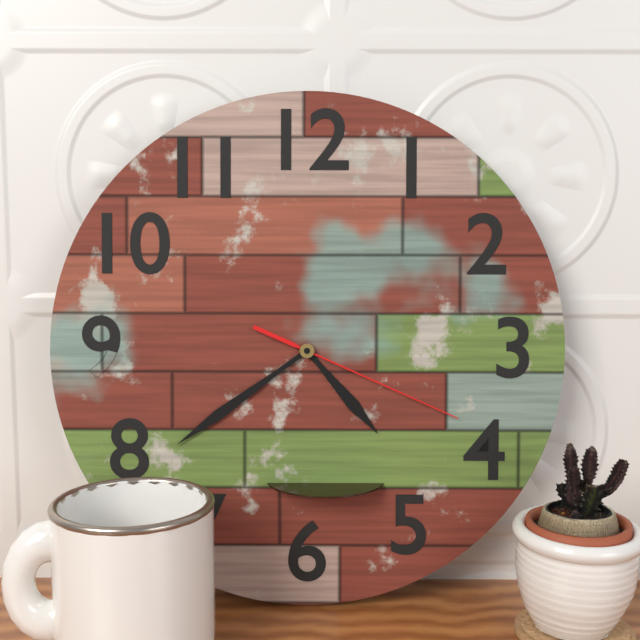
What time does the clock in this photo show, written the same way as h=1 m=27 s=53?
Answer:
h=4 m=39 s=19
